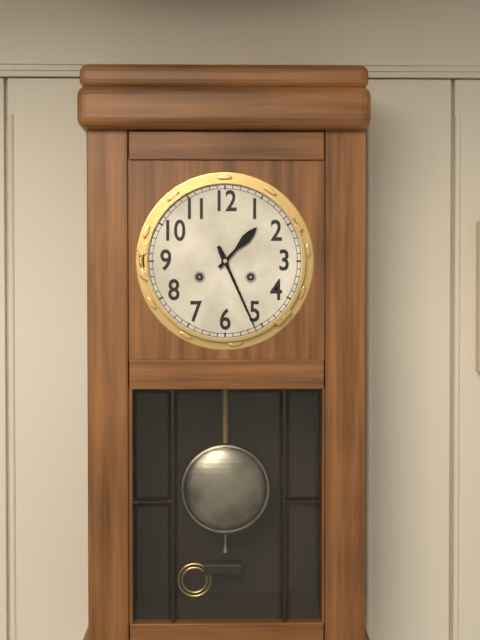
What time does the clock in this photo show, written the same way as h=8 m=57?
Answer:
h=1 m=26
